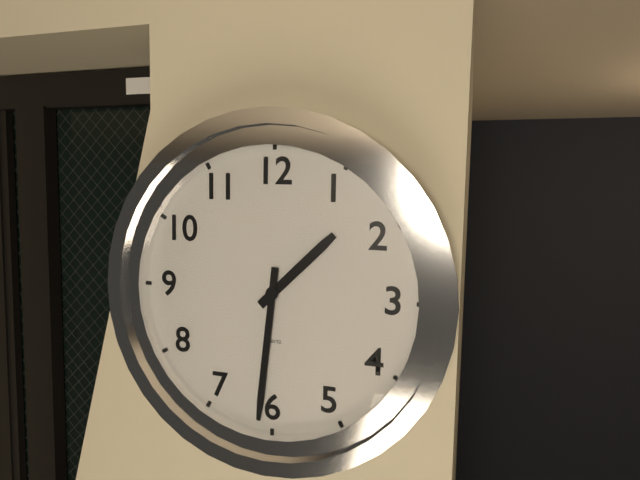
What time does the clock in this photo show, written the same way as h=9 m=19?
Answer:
h=1 m=31
